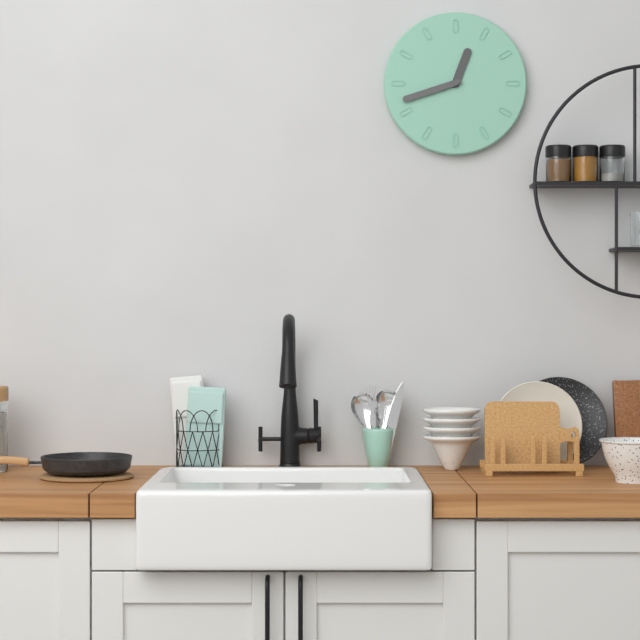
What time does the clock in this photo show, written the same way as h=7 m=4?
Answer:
h=12 m=42
